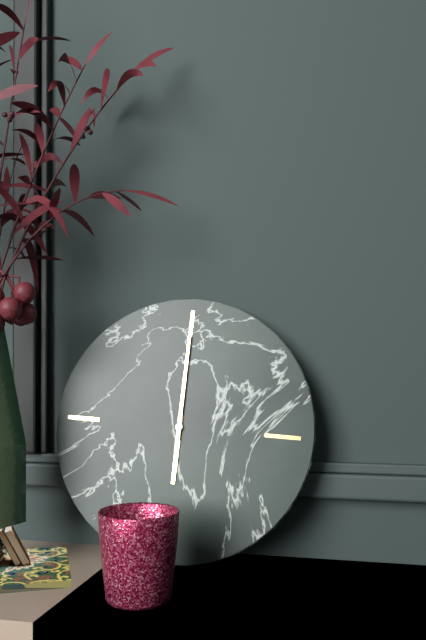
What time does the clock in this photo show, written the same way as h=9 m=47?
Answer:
h=6 m=0
